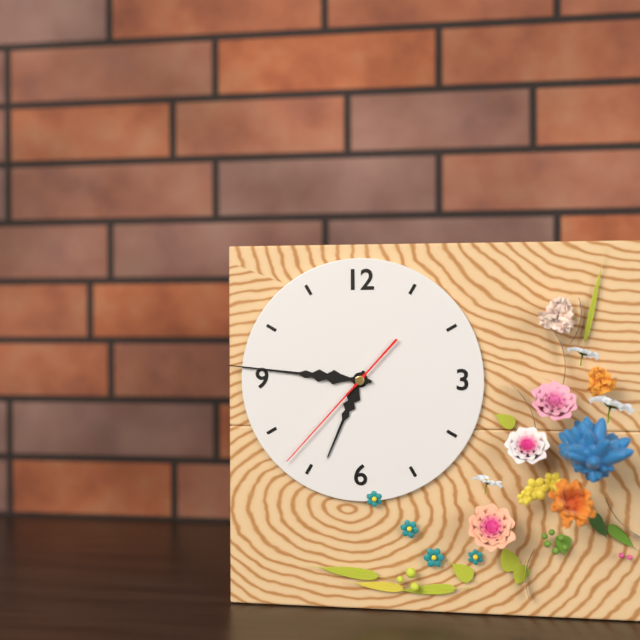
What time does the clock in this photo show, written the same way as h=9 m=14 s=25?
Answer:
h=6 m=46 s=37
